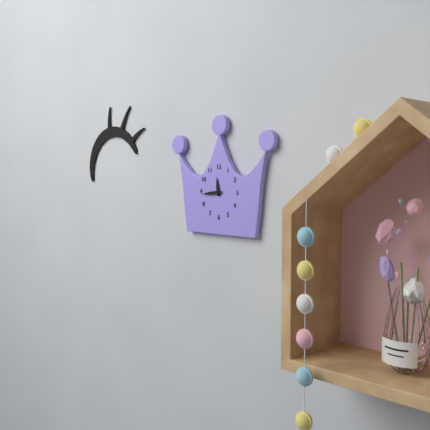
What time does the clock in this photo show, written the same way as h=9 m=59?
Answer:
h=11 m=44
